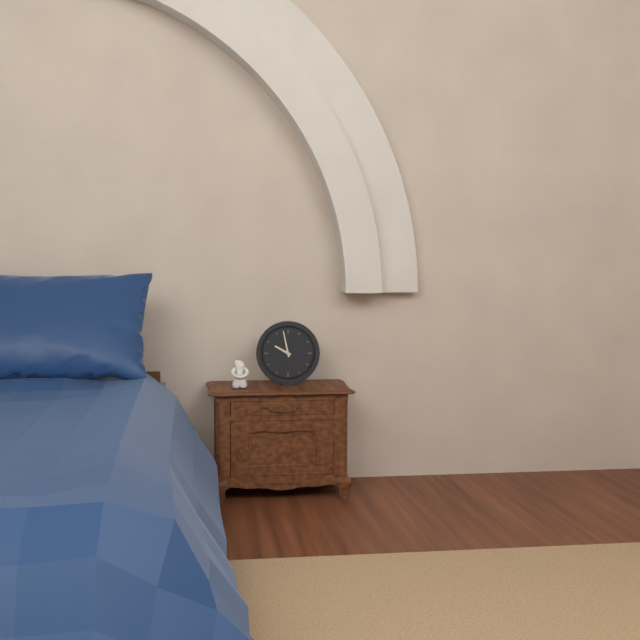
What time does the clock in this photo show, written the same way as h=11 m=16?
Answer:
h=9 m=58
